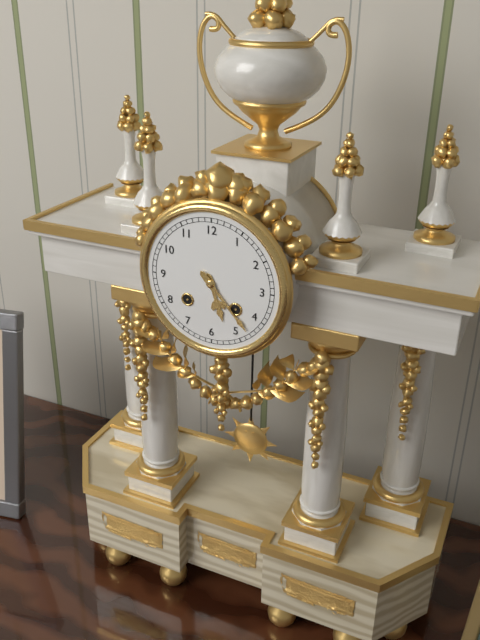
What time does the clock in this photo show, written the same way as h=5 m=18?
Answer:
h=5 m=23
